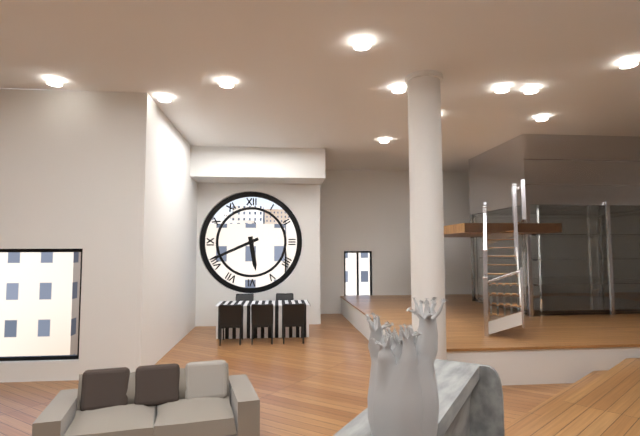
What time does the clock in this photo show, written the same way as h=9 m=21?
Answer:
h=5 m=41
